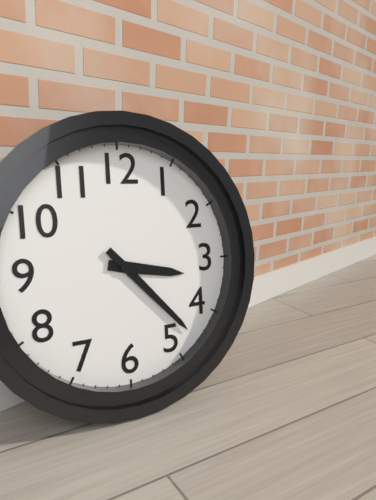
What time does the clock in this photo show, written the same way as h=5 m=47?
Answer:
h=3 m=23
